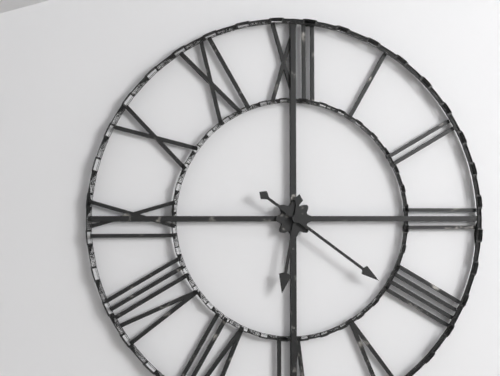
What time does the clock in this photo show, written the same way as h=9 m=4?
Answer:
h=6 m=21
